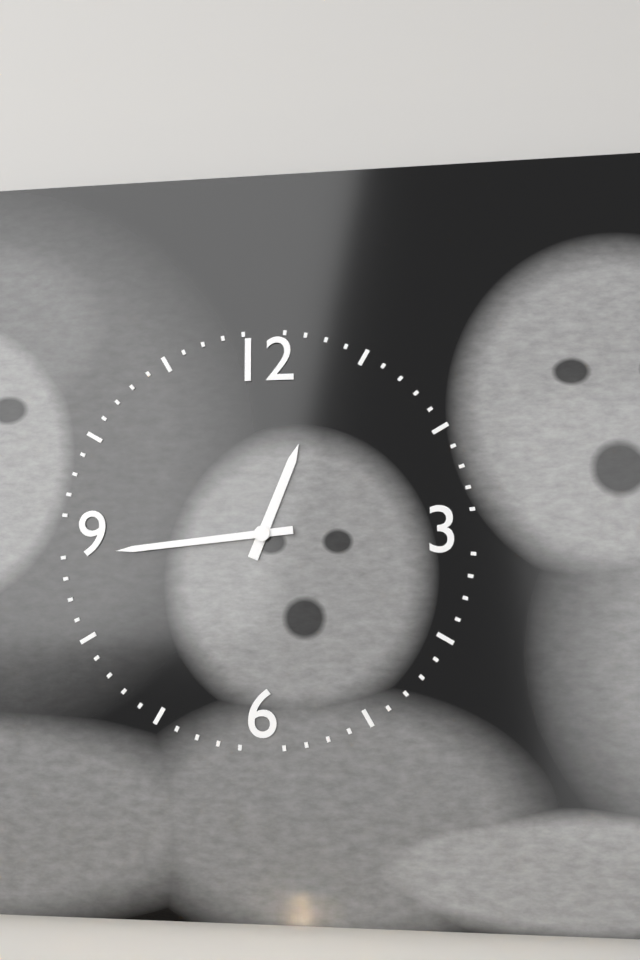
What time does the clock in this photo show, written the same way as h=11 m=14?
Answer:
h=12 m=44
